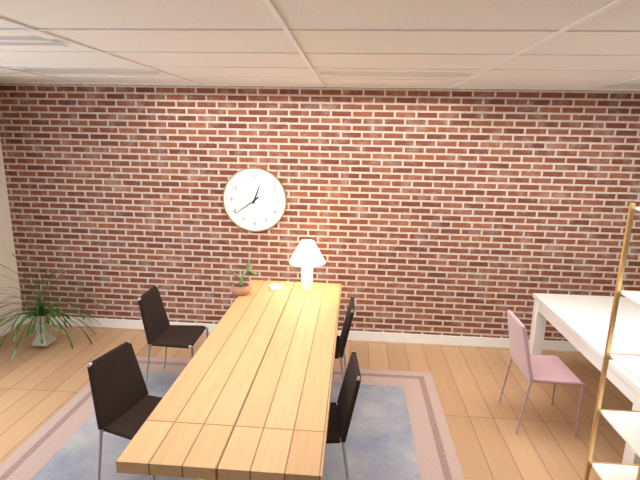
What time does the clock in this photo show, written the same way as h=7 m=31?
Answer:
h=12 m=39
